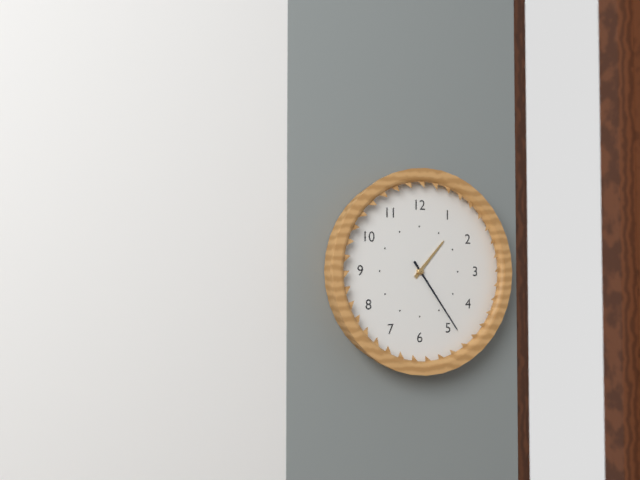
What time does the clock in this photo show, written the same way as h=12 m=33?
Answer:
h=1 m=24
